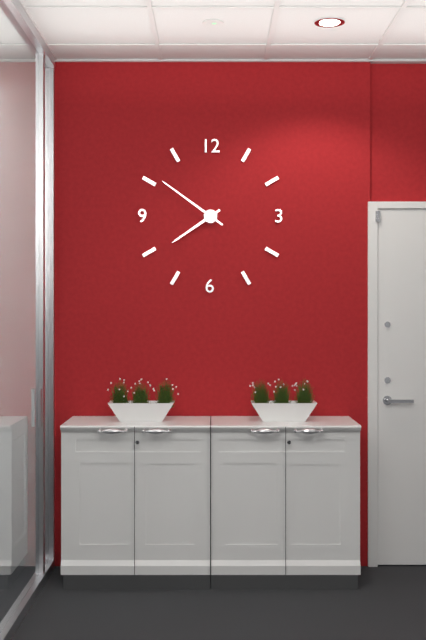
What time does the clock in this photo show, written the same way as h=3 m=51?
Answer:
h=7 m=51
